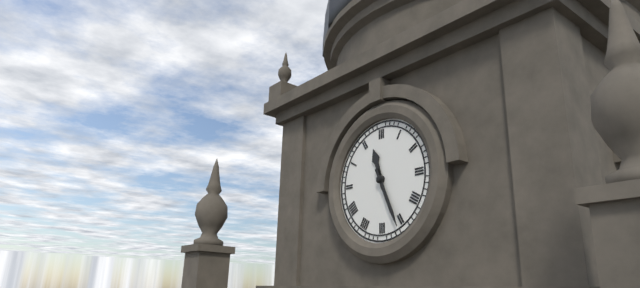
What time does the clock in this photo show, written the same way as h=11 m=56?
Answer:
h=11 m=26
